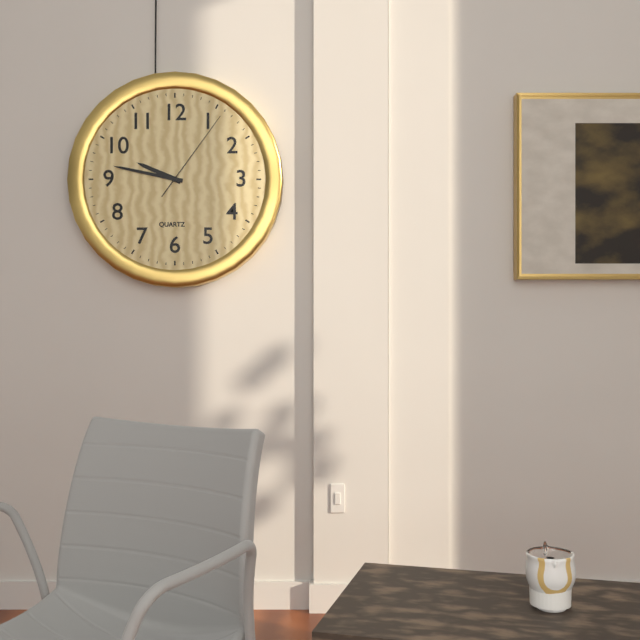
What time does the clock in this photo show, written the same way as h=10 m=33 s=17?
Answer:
h=9 m=47 s=6
